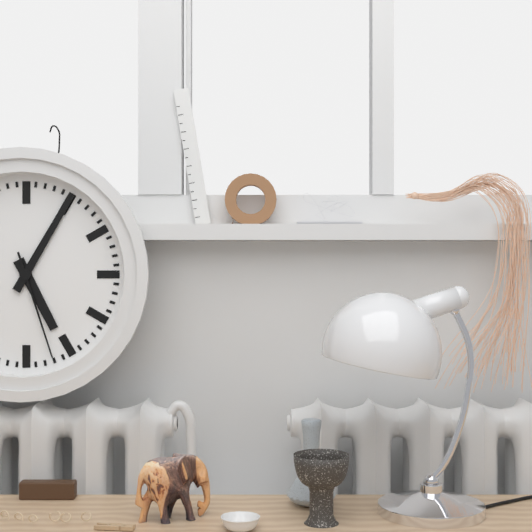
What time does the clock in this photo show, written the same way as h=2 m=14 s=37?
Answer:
h=5 m=5 s=27
